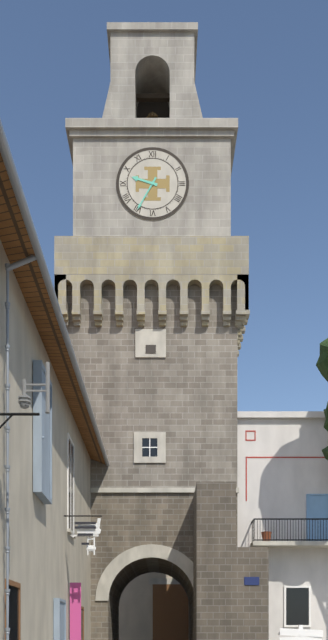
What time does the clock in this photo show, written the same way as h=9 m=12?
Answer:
h=9 m=35
